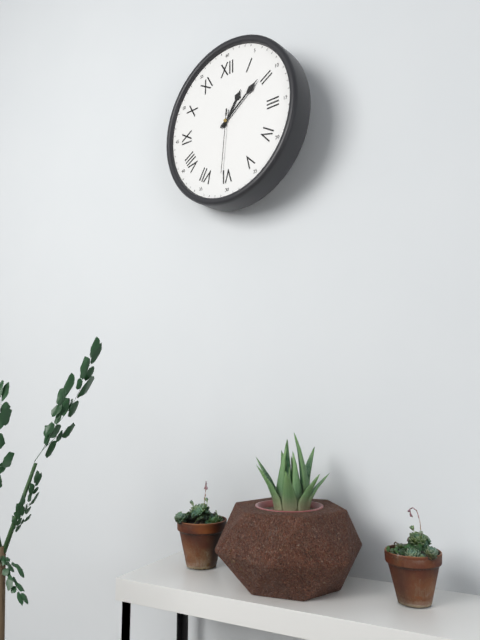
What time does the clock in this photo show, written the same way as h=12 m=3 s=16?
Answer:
h=1 m=9 s=31
